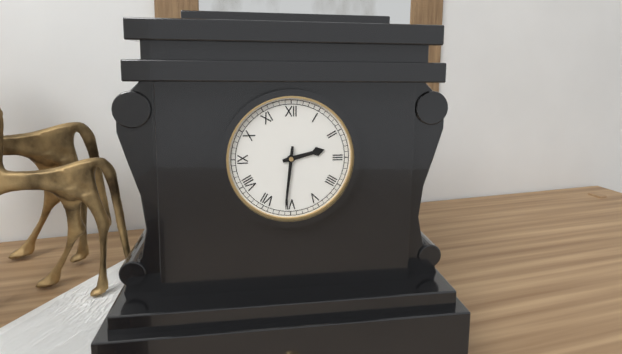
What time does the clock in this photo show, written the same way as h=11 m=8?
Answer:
h=2 m=31
